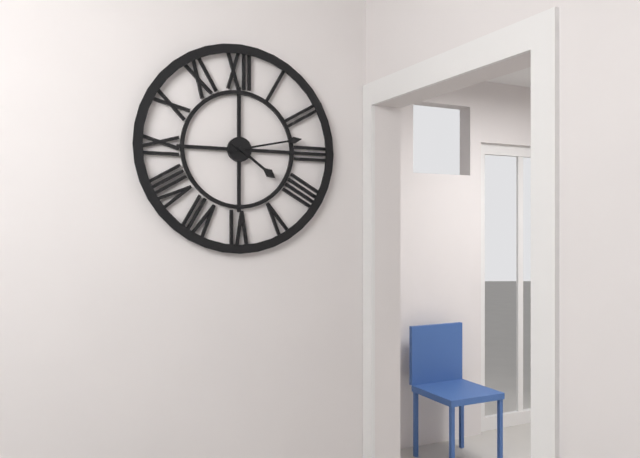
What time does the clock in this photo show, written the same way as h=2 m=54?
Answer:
h=4 m=13
